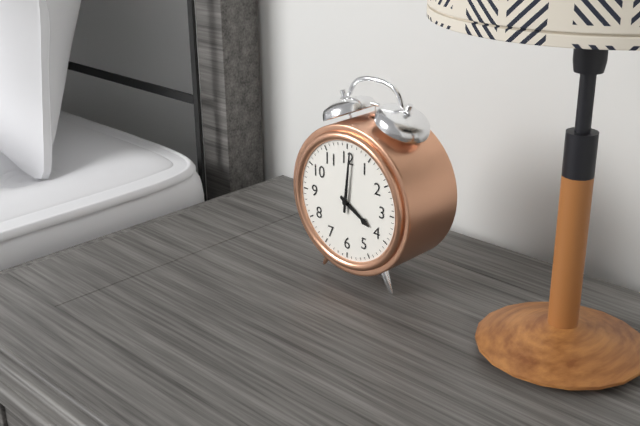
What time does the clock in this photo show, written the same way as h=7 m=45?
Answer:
h=4 m=1
